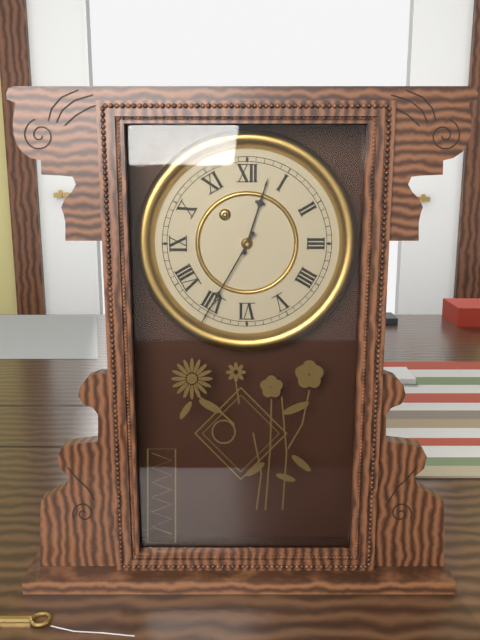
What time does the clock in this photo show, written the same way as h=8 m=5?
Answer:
h=12 m=35
